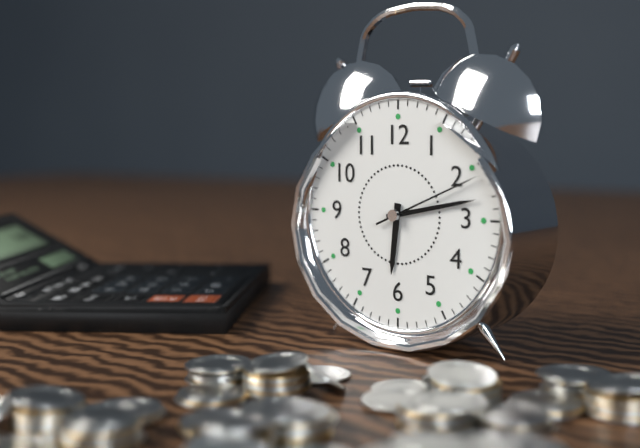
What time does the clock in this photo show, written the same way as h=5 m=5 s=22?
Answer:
h=6 m=13 s=11
